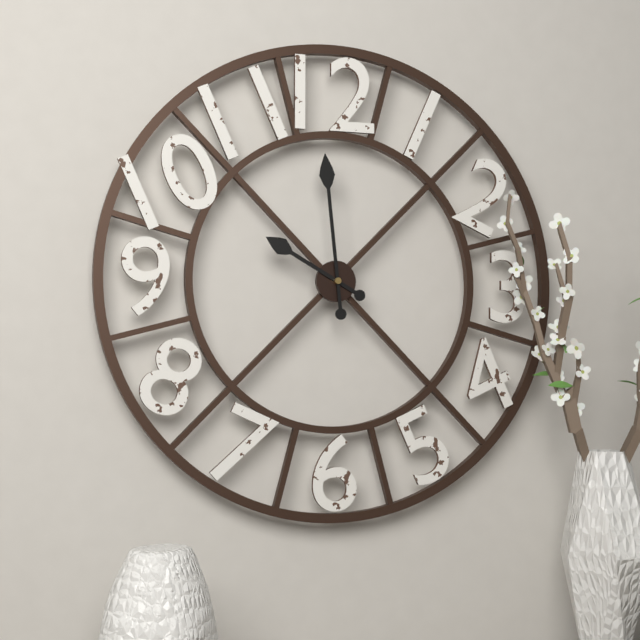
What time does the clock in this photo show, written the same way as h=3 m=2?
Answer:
h=9 m=59
